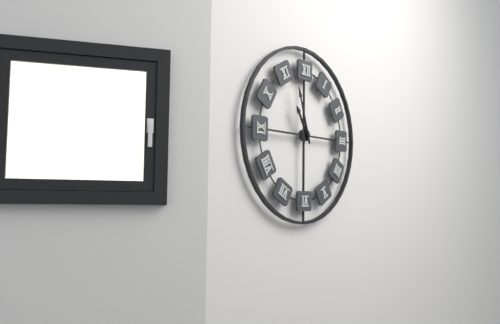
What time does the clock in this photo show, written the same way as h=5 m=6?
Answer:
h=10 m=57
